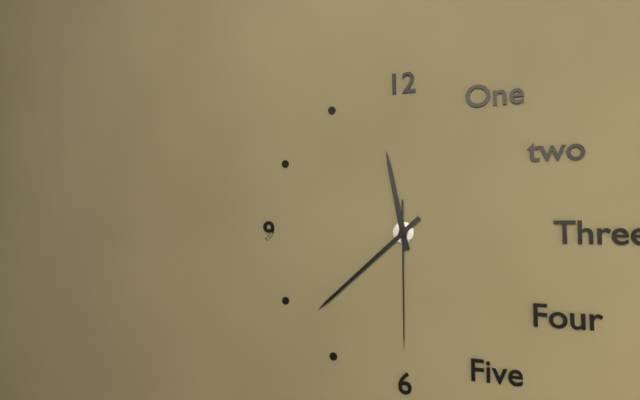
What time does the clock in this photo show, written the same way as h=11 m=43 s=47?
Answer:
h=11 m=38 s=30
